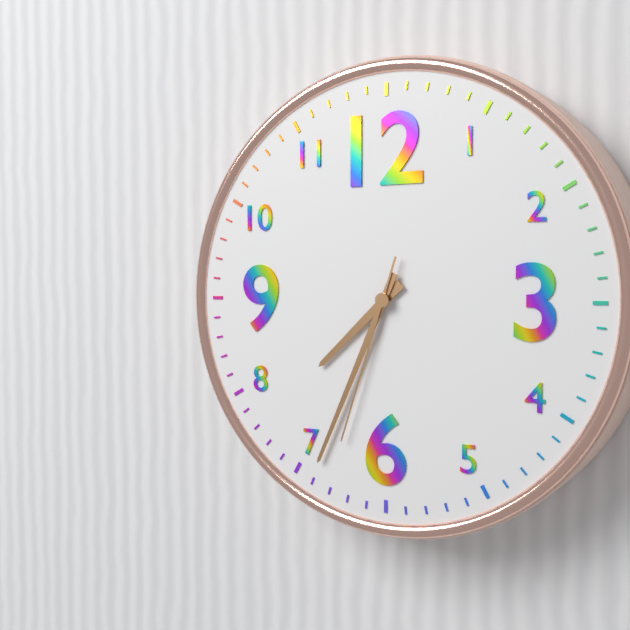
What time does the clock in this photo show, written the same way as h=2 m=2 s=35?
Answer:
h=7 m=34 s=33
